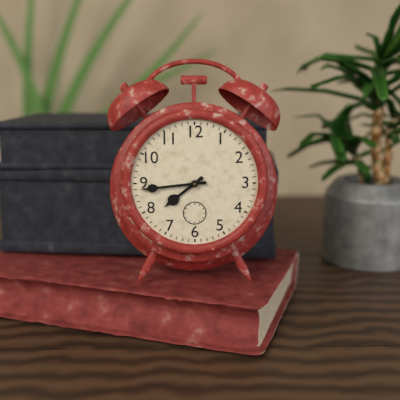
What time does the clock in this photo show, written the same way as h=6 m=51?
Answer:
h=7 m=44
